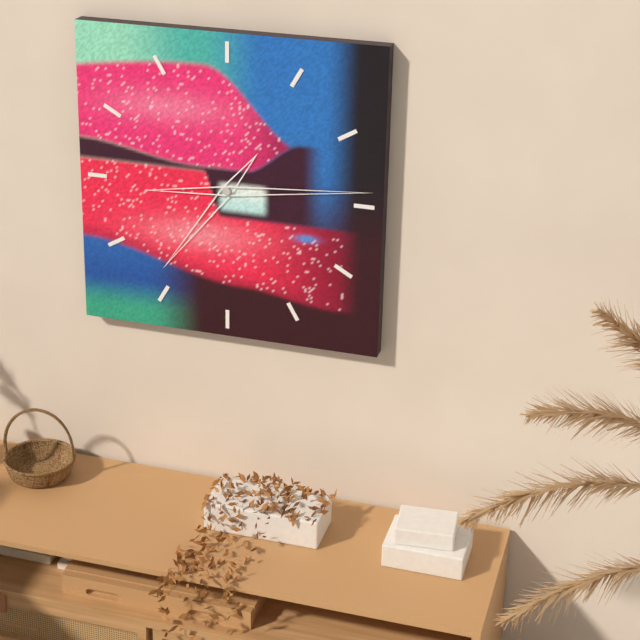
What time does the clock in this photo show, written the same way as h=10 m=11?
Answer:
h=7 m=14
